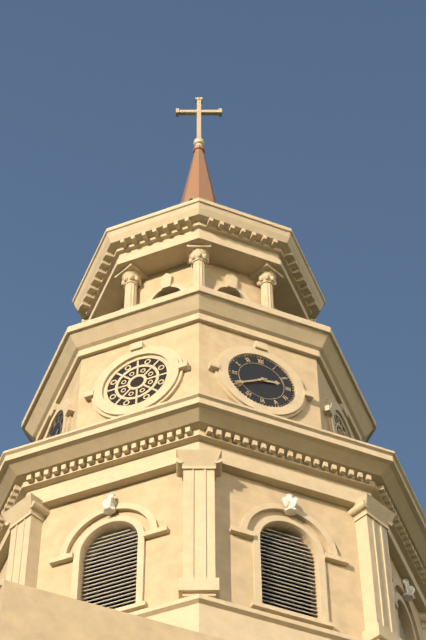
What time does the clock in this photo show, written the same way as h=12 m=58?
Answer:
h=2 m=40
